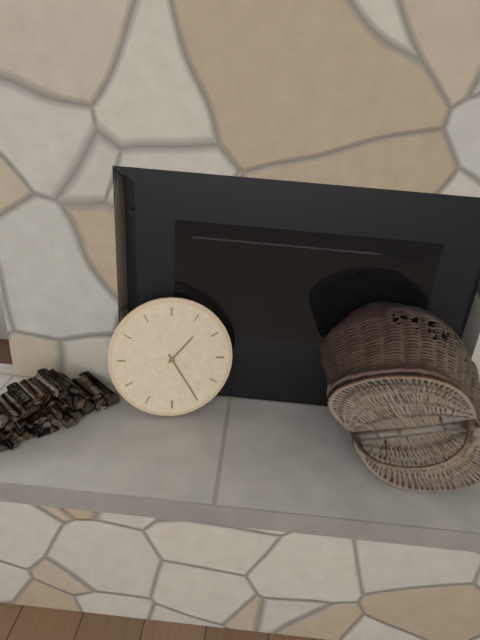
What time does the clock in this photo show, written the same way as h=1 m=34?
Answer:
h=1 m=25
